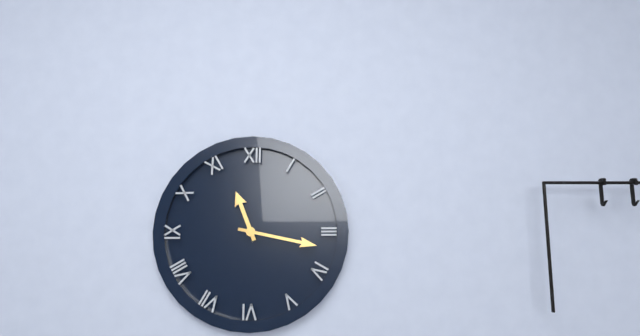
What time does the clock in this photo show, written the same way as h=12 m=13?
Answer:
h=11 m=17
